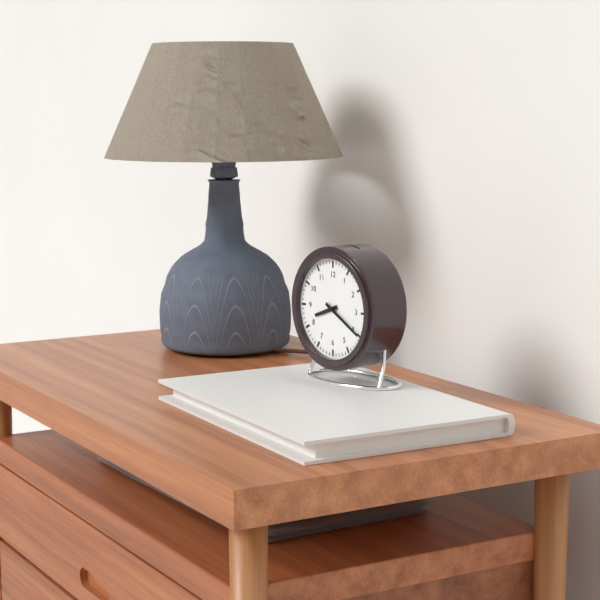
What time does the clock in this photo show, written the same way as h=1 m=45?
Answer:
h=8 m=20
